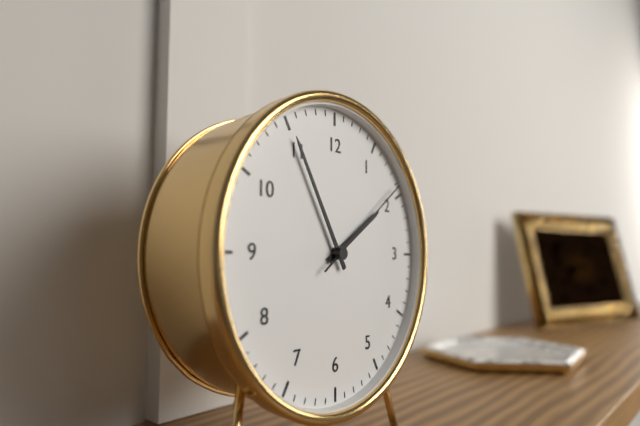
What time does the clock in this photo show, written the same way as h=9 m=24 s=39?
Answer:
h=1 m=55 s=9
